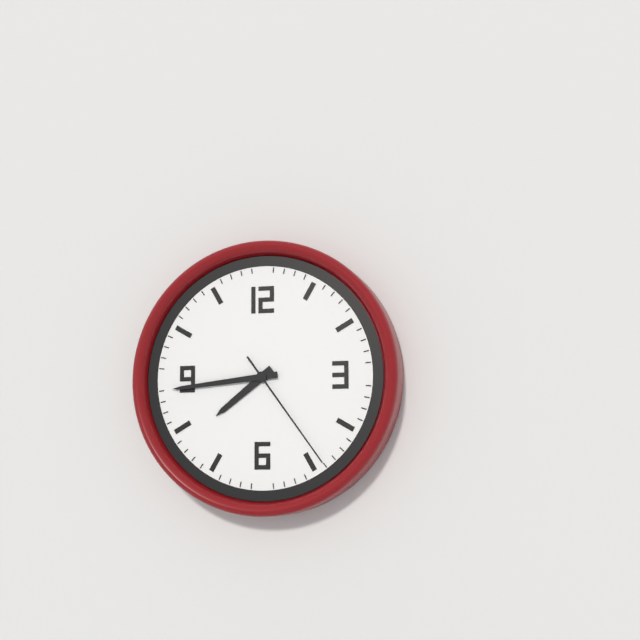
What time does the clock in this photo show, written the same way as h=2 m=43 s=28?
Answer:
h=7 m=44 s=24
